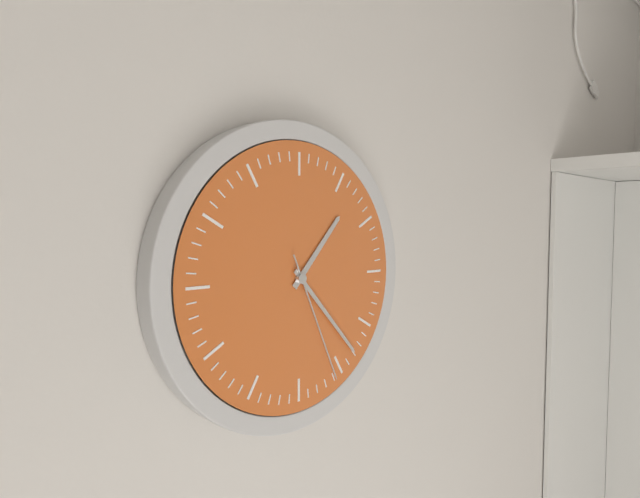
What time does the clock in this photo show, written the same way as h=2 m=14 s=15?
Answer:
h=1 m=23 s=26
